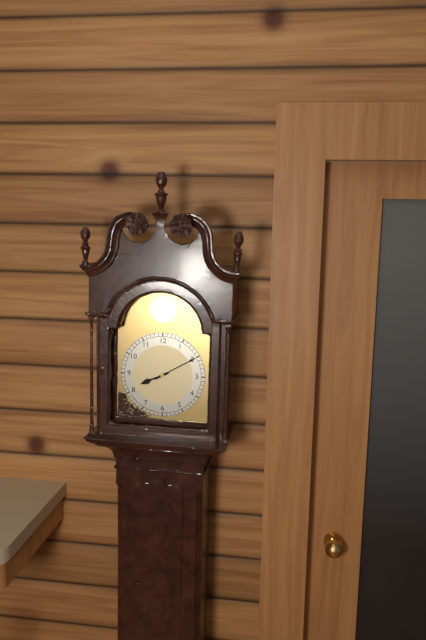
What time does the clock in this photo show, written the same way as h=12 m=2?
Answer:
h=8 m=10
